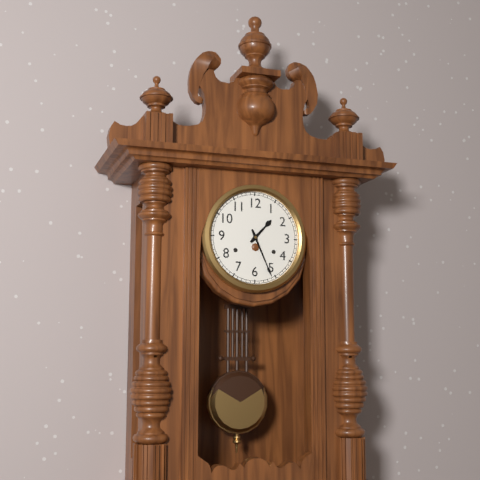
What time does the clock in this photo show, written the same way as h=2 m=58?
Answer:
h=1 m=26
